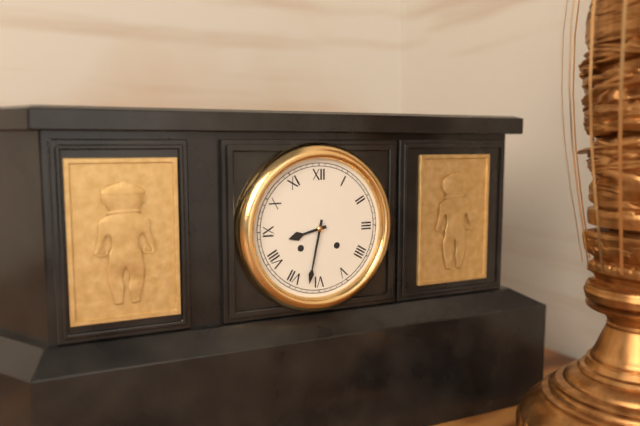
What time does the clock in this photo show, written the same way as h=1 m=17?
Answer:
h=8 m=32
